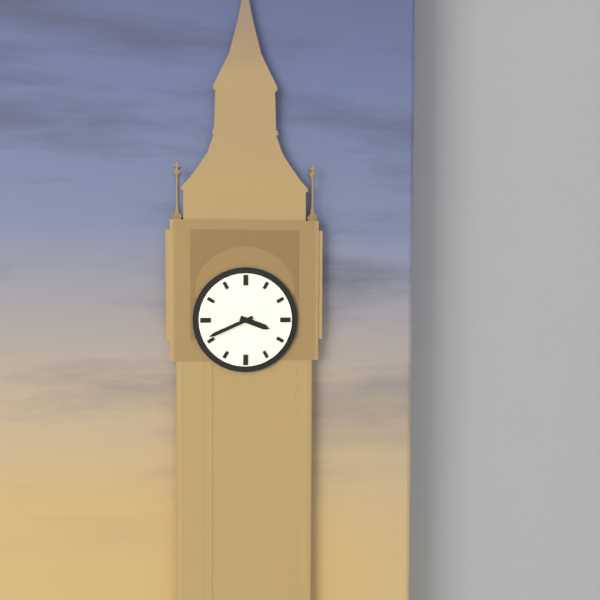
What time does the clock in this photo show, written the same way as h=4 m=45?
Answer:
h=3 m=41
